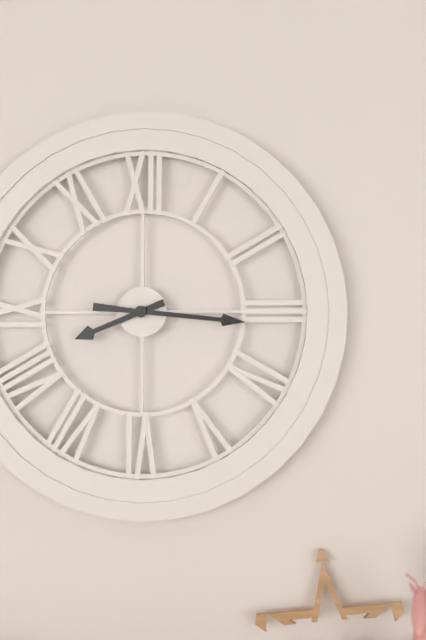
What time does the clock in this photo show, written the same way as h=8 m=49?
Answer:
h=8 m=16
